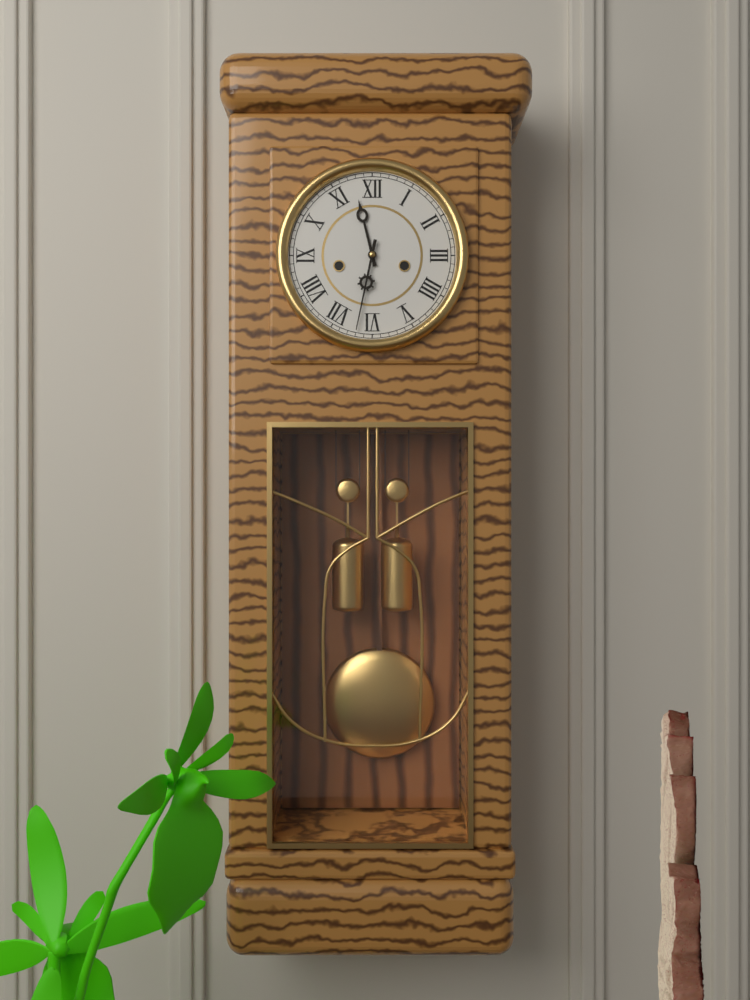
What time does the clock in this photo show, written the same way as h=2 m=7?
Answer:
h=11 m=32
